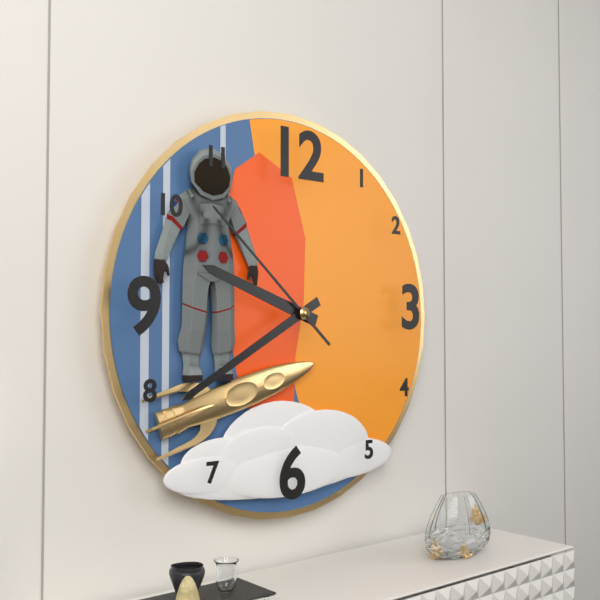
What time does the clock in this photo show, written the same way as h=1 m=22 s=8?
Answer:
h=9 m=40 s=52
